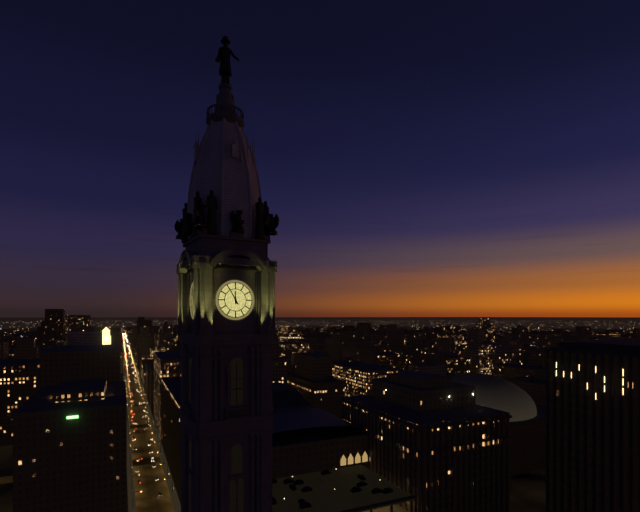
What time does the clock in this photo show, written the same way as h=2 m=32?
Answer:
h=11 m=55
